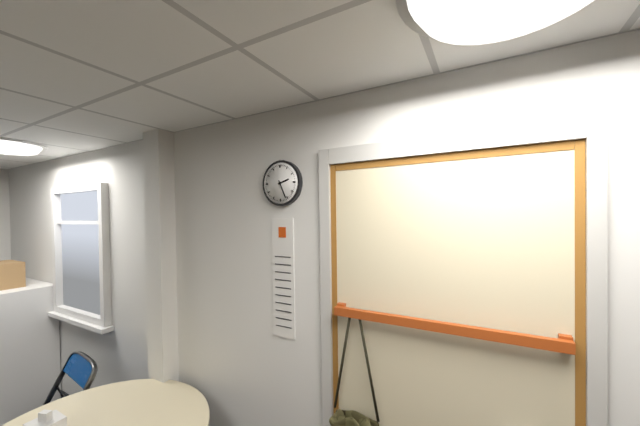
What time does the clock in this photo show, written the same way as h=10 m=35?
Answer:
h=2 m=26
